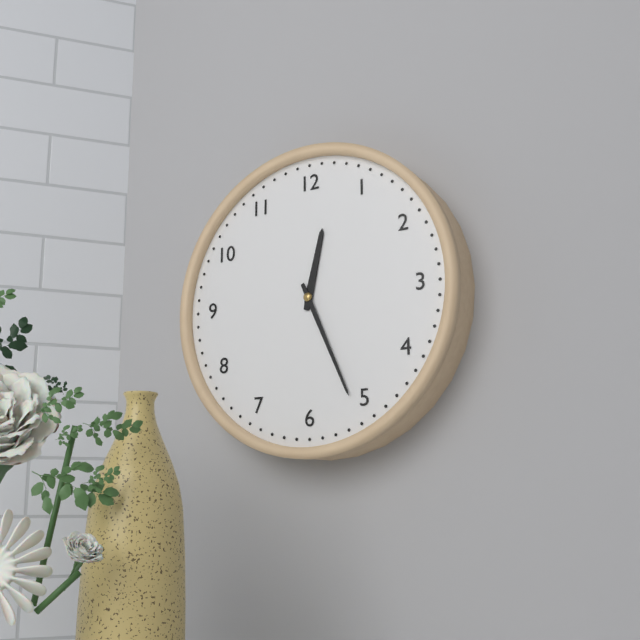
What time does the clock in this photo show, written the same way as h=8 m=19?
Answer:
h=12 m=26
